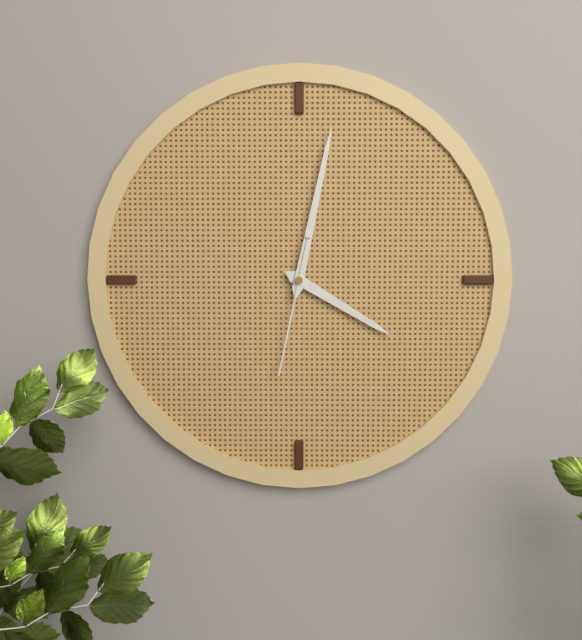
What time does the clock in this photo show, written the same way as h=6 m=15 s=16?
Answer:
h=4 m=2 s=32
